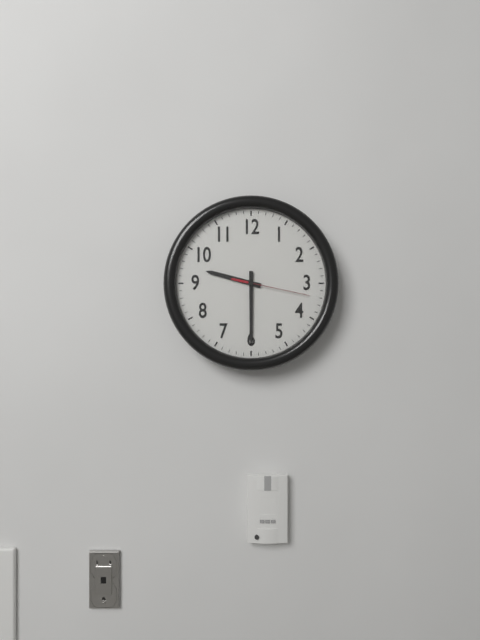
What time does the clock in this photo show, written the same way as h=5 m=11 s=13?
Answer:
h=9 m=30 s=17
